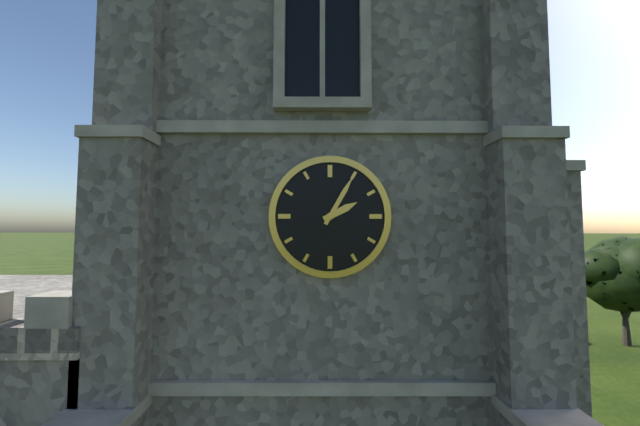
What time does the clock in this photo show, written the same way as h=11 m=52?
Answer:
h=2 m=5
